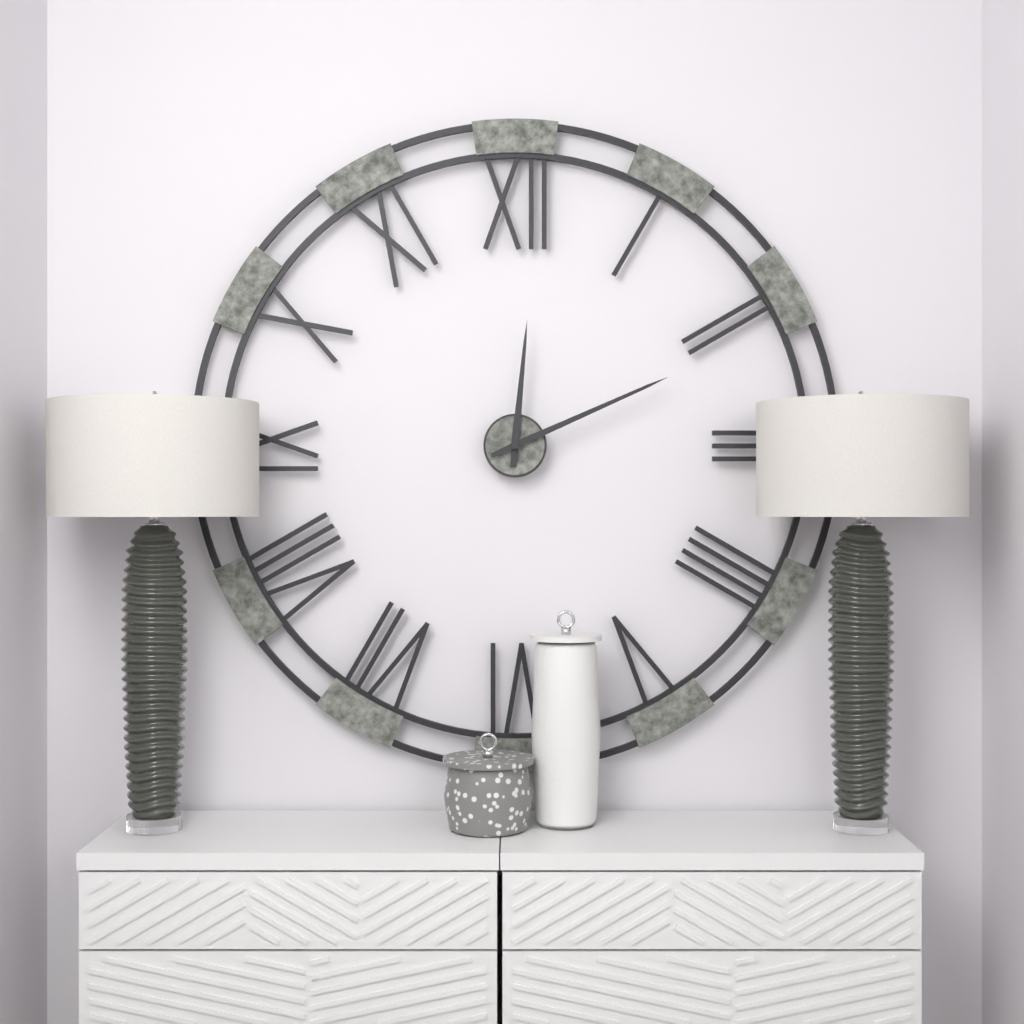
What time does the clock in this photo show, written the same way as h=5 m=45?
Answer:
h=12 m=11
